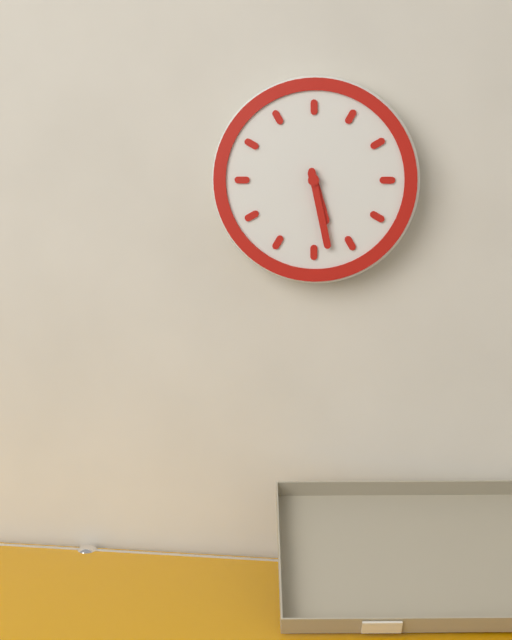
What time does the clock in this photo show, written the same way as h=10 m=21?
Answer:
h=5 m=28
